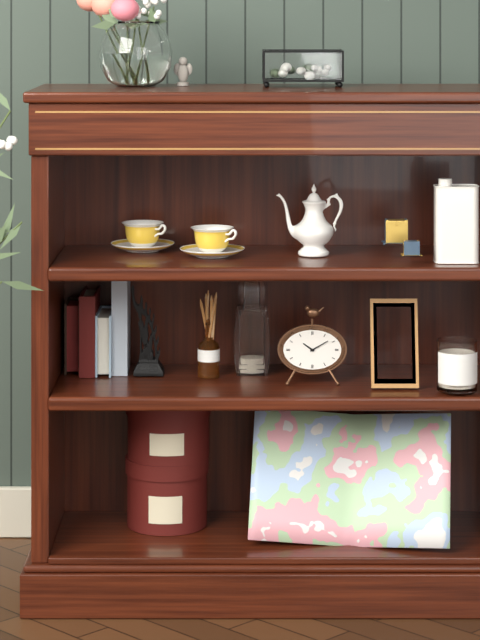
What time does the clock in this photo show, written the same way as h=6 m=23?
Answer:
h=10 m=10
